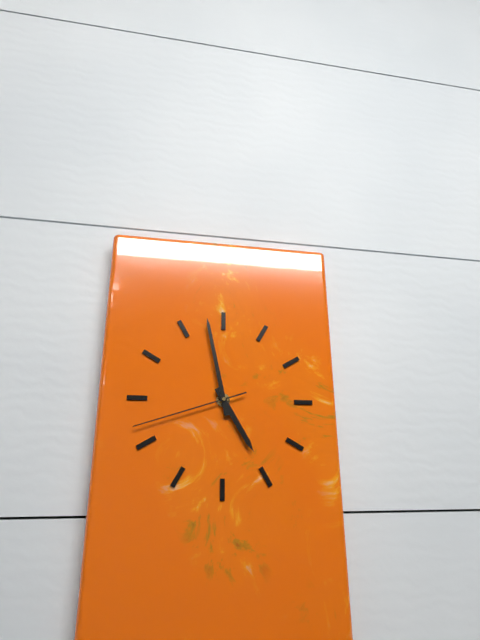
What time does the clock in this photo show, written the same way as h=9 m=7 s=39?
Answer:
h=4 m=58 s=42
